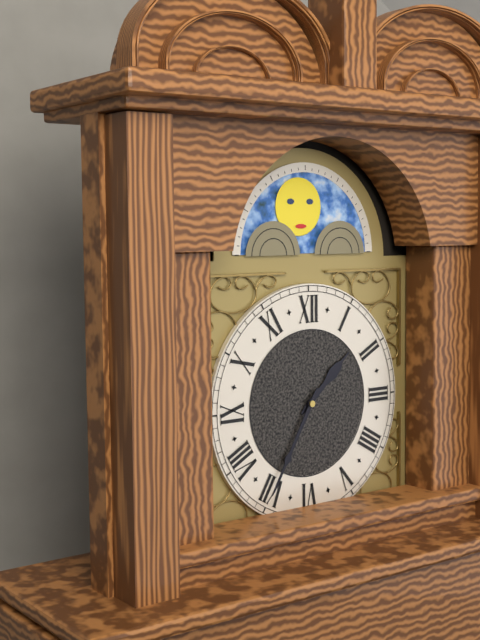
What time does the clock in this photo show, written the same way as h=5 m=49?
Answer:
h=1 m=35
